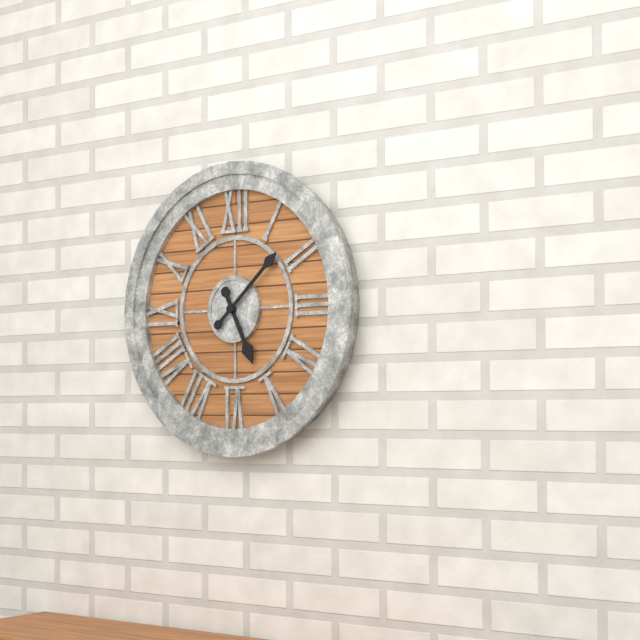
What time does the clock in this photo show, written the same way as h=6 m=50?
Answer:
h=5 m=8
